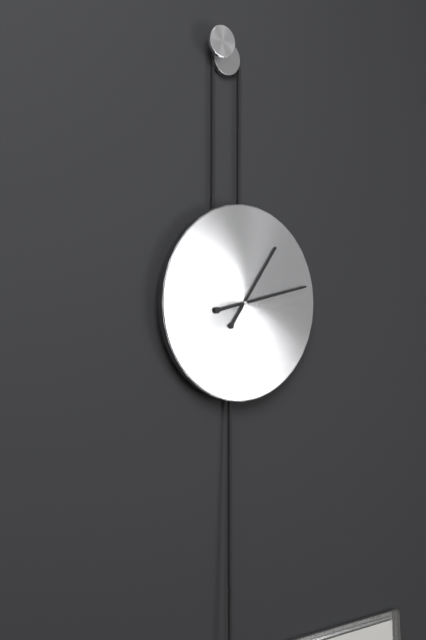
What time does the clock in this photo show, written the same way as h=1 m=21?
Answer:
h=1 m=13
